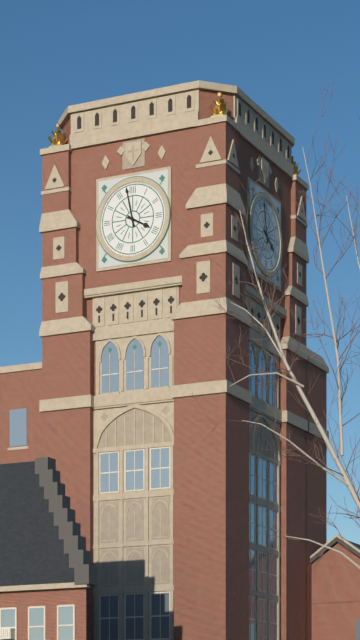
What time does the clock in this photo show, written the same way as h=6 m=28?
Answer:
h=3 m=58
